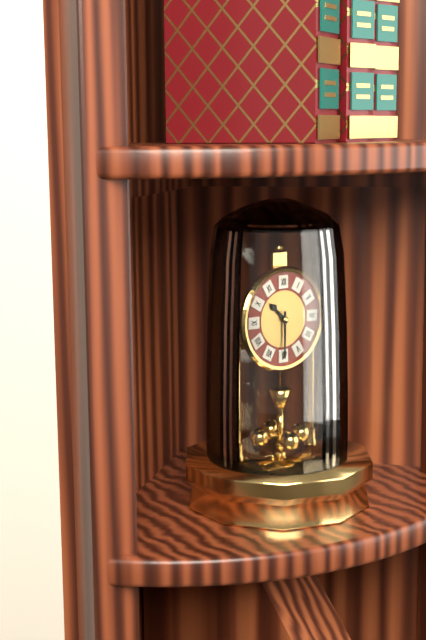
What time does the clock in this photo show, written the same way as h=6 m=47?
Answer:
h=10 m=30
